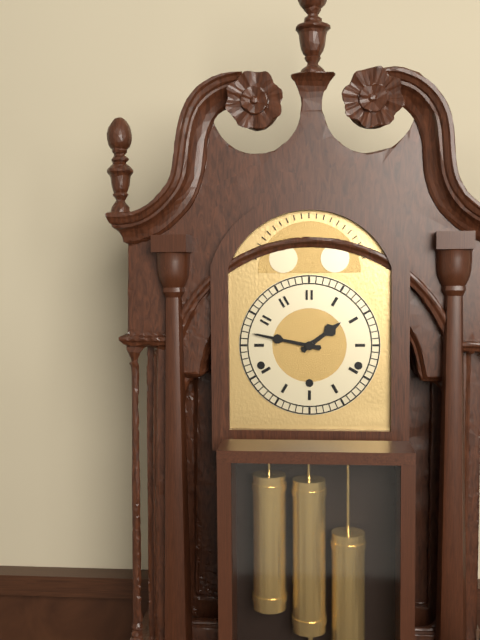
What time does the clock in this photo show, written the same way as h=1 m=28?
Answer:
h=1 m=47
